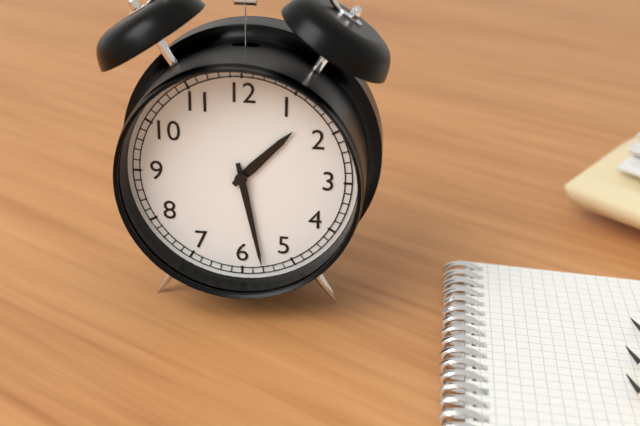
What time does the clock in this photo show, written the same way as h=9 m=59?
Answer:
h=1 m=28
